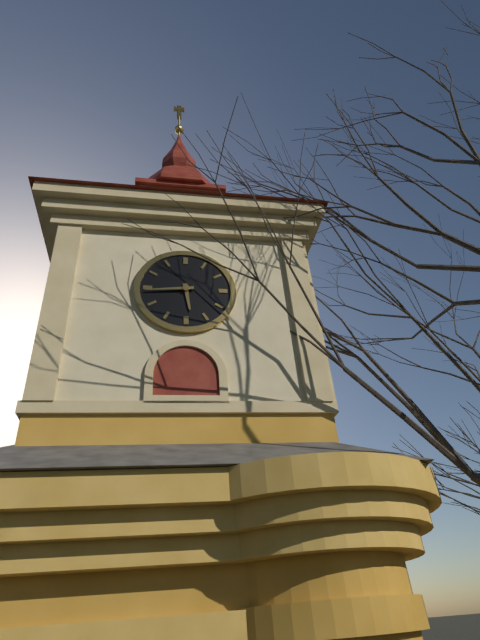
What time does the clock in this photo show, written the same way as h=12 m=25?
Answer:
h=5 m=44
